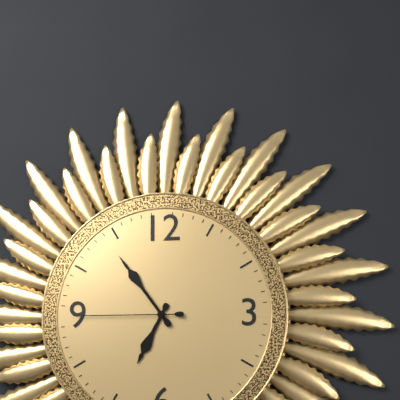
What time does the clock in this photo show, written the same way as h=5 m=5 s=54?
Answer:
h=6 m=54 s=45
